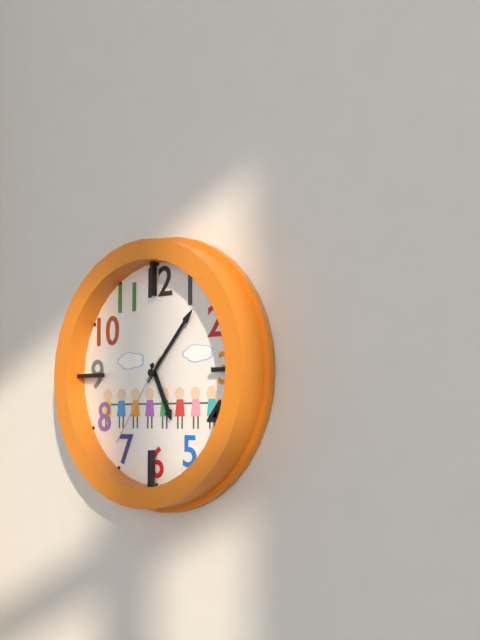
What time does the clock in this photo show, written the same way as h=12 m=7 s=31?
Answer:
h=5 m=7 s=36
